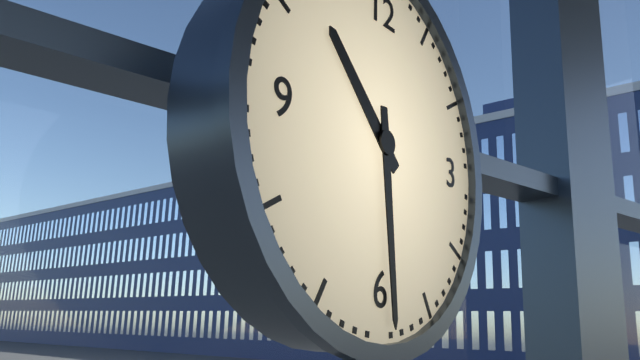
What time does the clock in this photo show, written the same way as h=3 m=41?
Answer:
h=10 m=29
